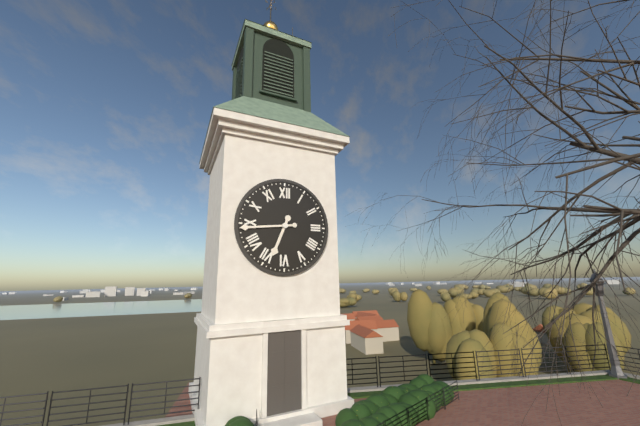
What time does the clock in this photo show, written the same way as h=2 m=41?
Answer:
h=6 m=44
